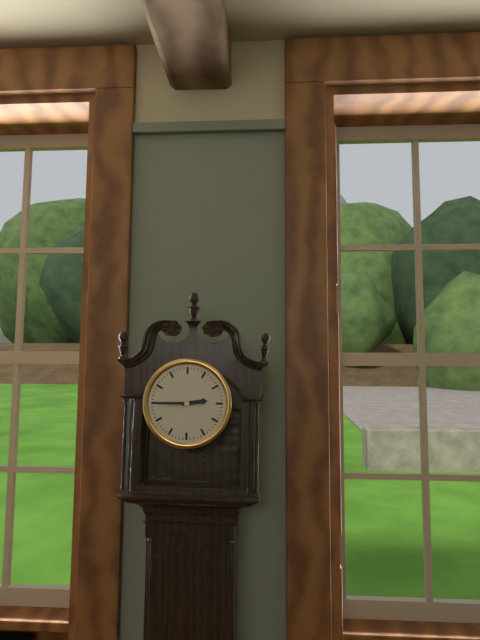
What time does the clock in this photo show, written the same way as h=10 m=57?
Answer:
h=2 m=45
